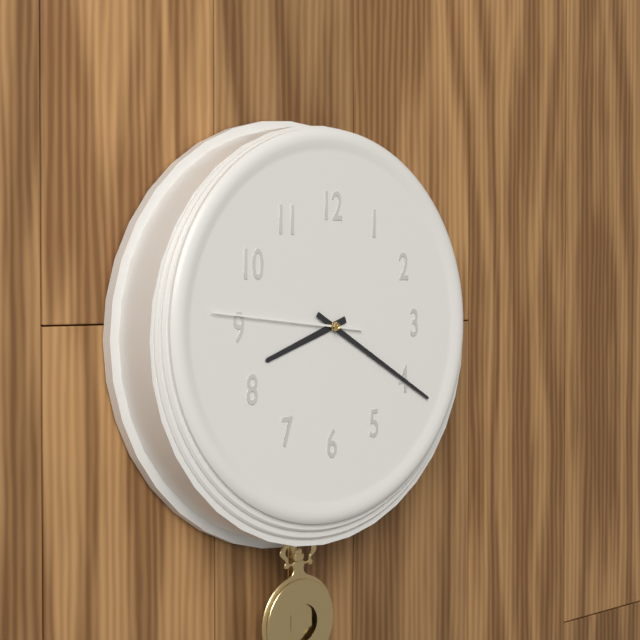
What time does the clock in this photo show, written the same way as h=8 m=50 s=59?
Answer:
h=8 m=20 s=46
